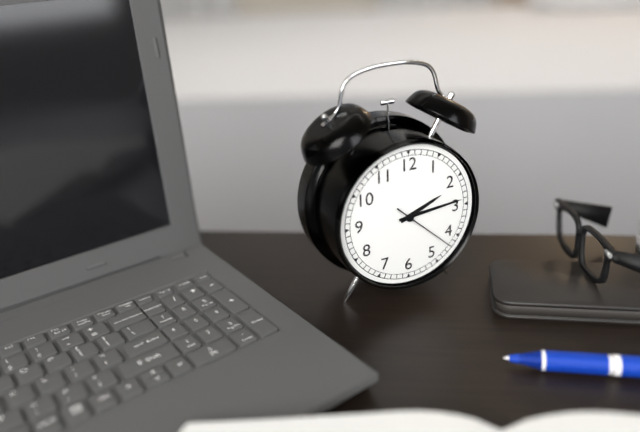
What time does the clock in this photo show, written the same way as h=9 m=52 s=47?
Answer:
h=2 m=14 s=22
